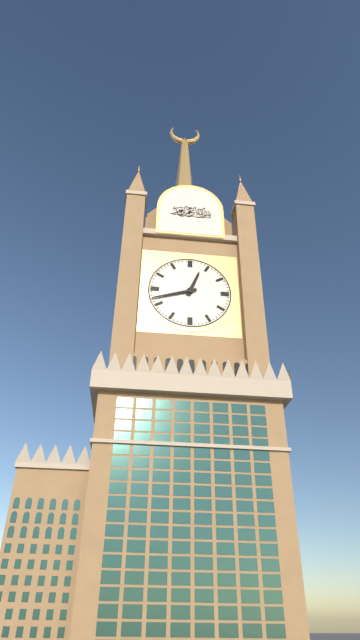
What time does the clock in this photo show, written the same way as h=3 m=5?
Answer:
h=12 m=42
